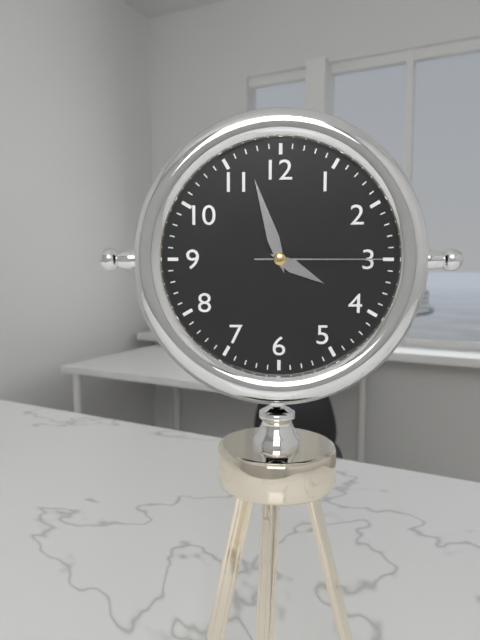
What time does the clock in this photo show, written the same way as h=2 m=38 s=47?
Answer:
h=3 m=57 s=15
